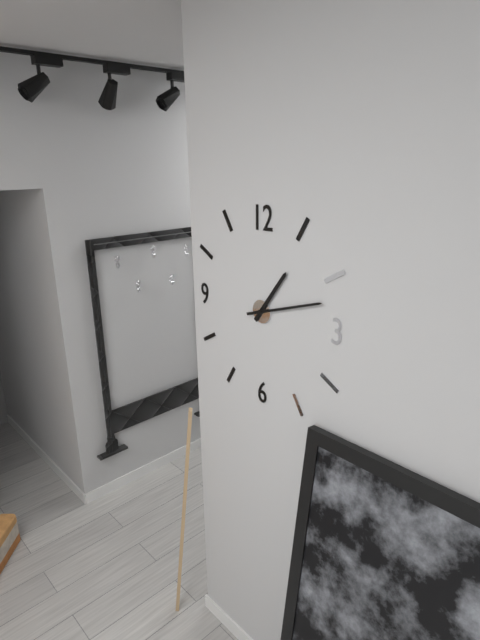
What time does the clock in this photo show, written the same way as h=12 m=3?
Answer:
h=1 m=12
